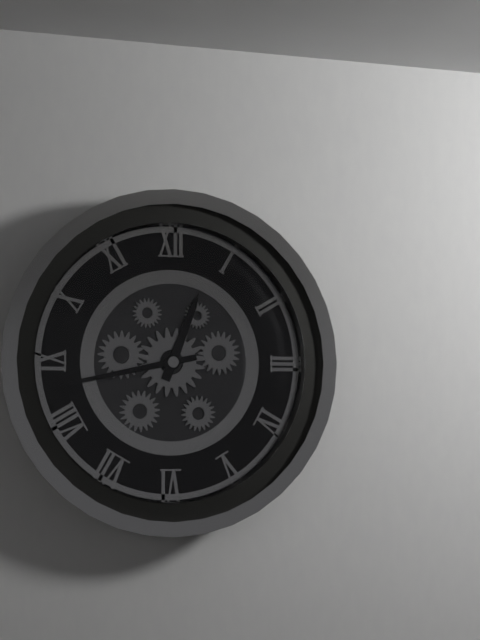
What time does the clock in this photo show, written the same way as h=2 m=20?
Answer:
h=12 m=43
